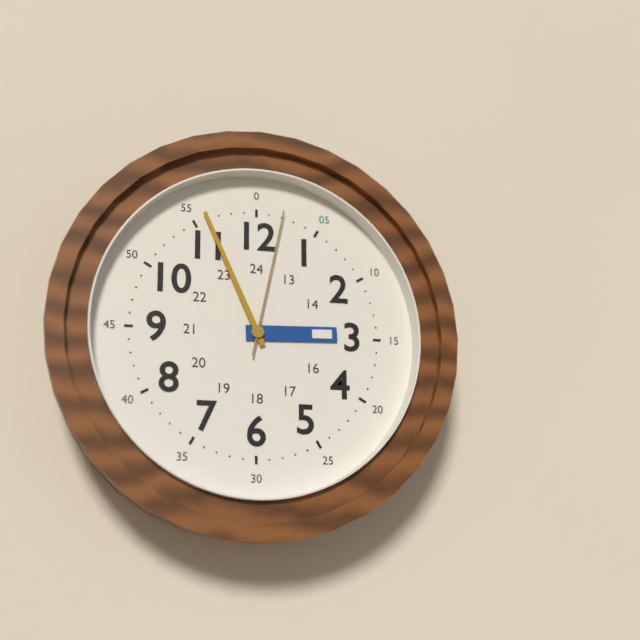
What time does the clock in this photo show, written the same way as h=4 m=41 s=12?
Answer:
h=2 m=56 s=2
